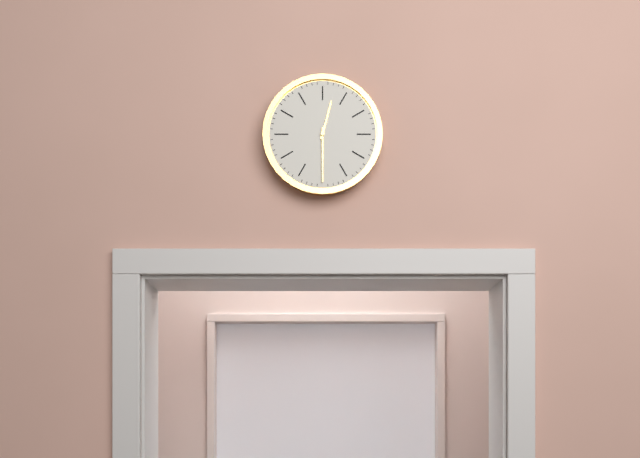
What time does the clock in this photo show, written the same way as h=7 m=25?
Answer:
h=12 m=30
